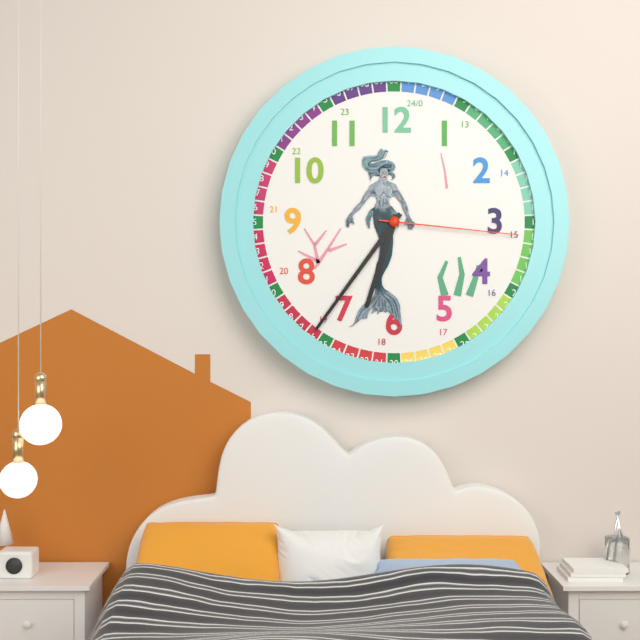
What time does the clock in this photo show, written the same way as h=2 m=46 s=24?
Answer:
h=6 m=36 s=16
